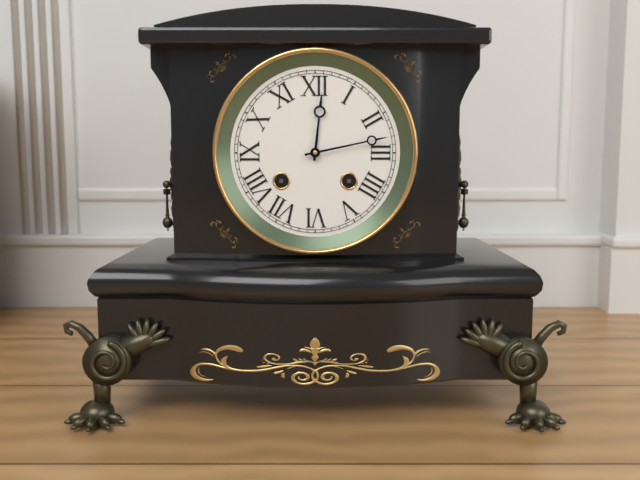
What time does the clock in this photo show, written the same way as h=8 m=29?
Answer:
h=12 m=13
